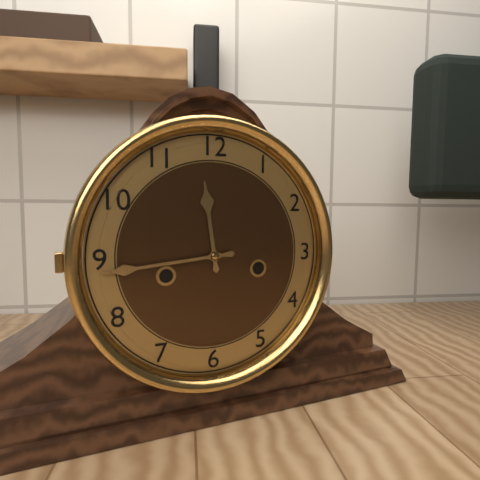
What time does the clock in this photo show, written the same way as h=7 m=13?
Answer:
h=11 m=44
